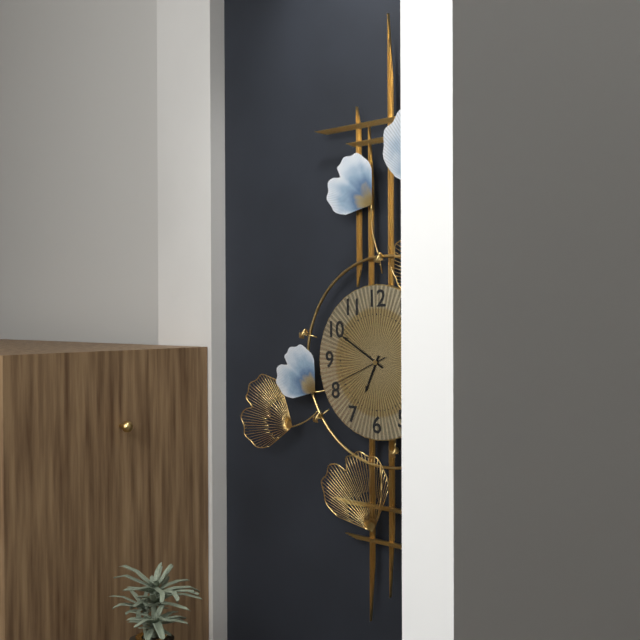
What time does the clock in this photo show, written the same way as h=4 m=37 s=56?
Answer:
h=6 m=50 s=41
